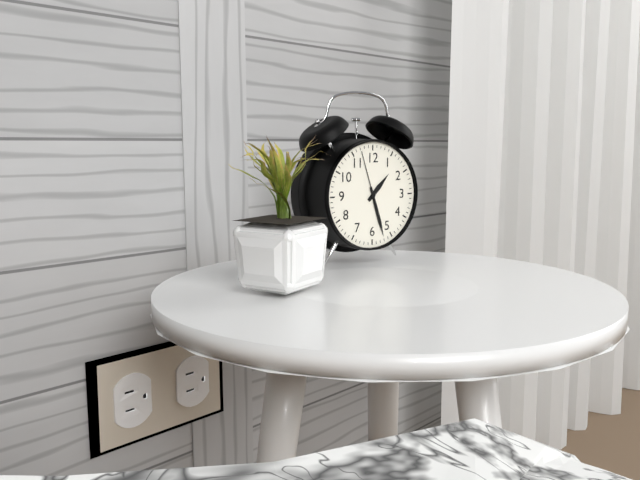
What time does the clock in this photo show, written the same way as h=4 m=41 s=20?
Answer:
h=1 m=27 s=57
